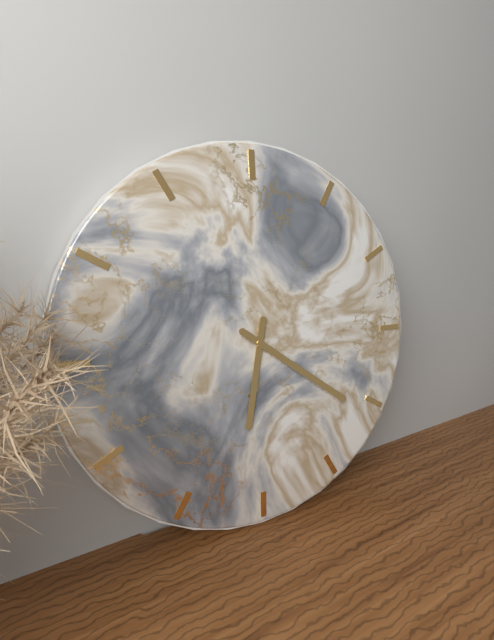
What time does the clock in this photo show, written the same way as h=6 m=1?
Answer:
h=6 m=21
